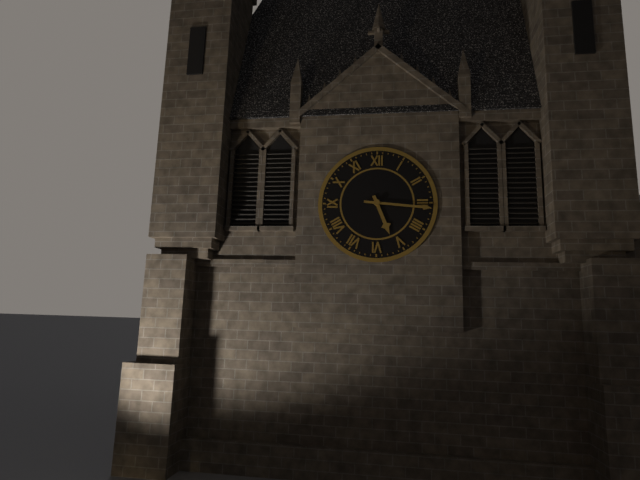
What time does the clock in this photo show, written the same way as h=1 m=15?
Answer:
h=5 m=16
